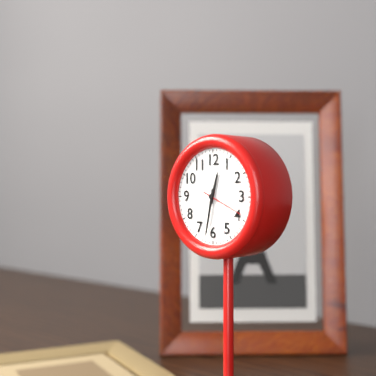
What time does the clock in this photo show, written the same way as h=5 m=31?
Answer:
h=12 m=32
